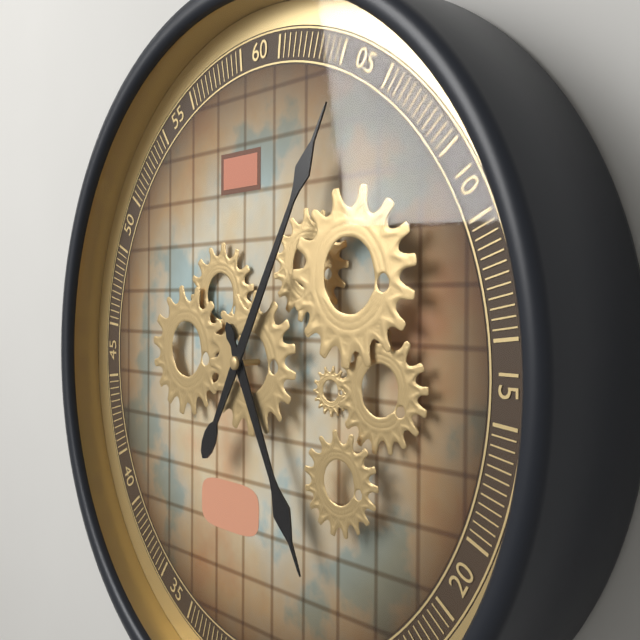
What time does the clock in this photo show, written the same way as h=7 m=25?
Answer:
h=5 m=5
